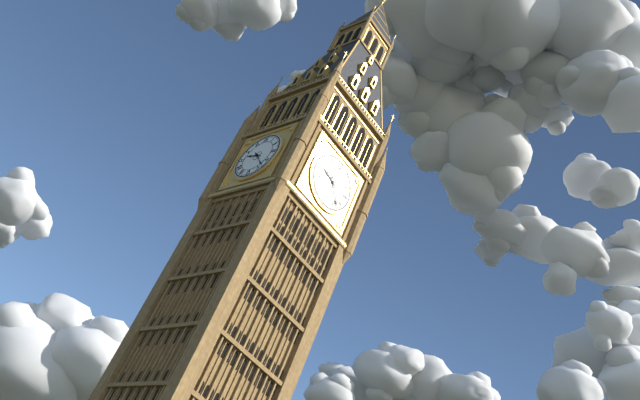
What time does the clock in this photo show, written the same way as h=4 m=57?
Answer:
h=9 m=23
